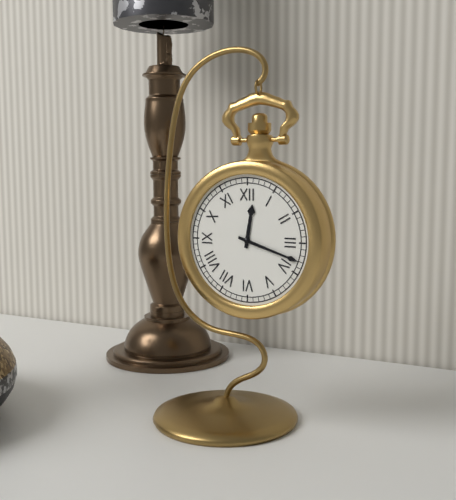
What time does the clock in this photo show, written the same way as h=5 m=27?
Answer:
h=12 m=18
